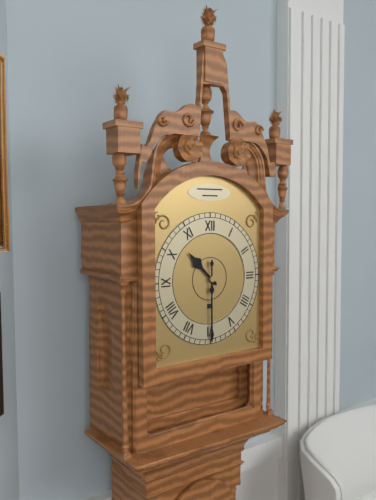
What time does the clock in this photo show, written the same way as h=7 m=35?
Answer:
h=10 m=30
